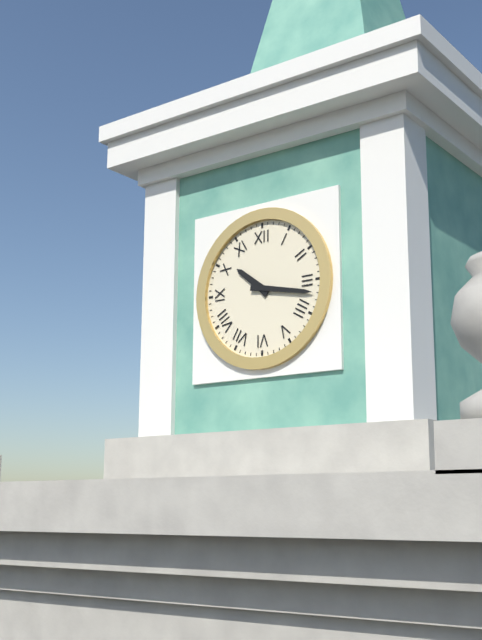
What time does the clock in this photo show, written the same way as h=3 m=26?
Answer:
h=10 m=17
